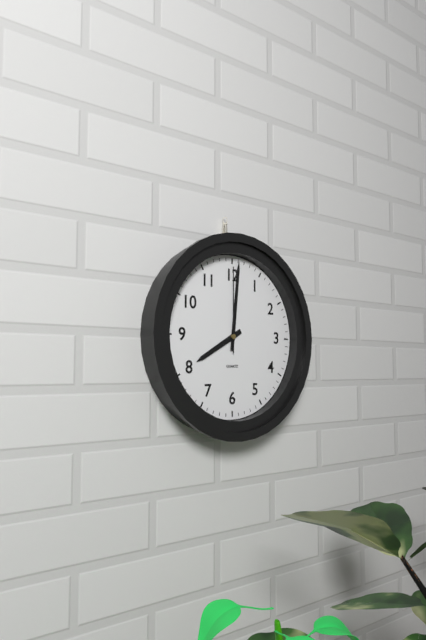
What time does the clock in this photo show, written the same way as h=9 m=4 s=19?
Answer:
h=8 m=1 s=0
